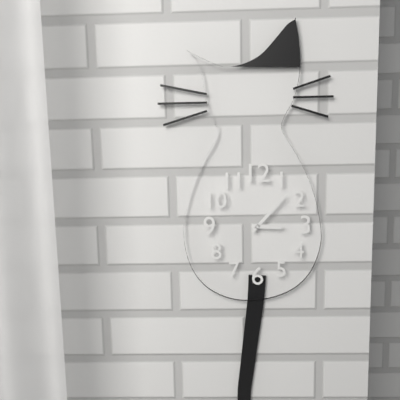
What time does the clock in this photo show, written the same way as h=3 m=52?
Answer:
h=3 m=7
